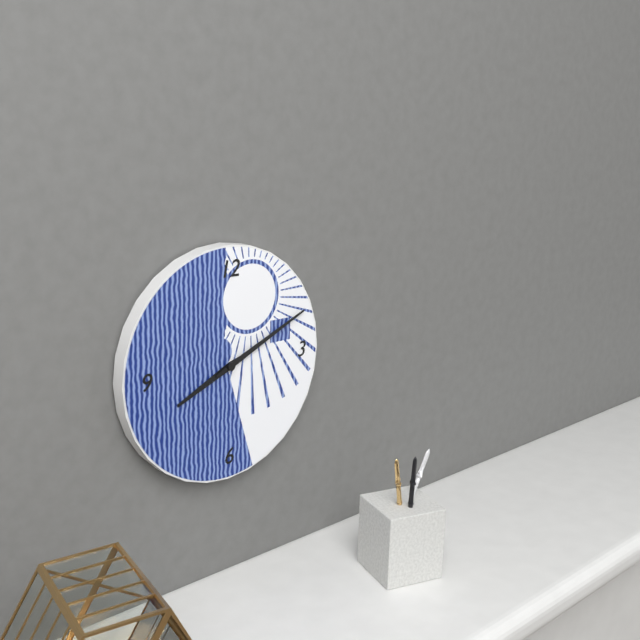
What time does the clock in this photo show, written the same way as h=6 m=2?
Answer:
h=8 m=11
